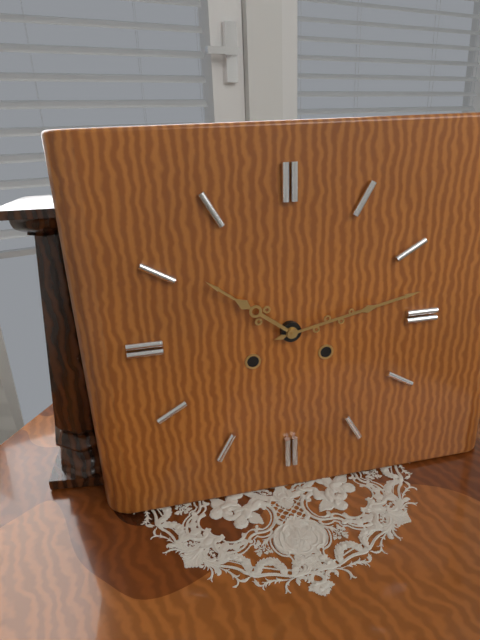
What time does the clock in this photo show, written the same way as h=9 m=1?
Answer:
h=10 m=13
